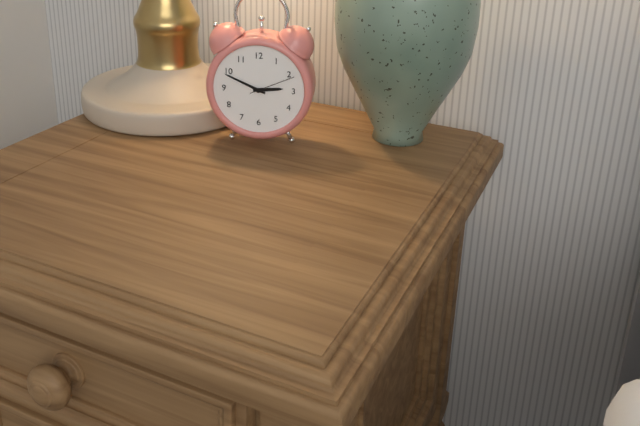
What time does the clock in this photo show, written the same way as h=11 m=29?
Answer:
h=2 m=49
